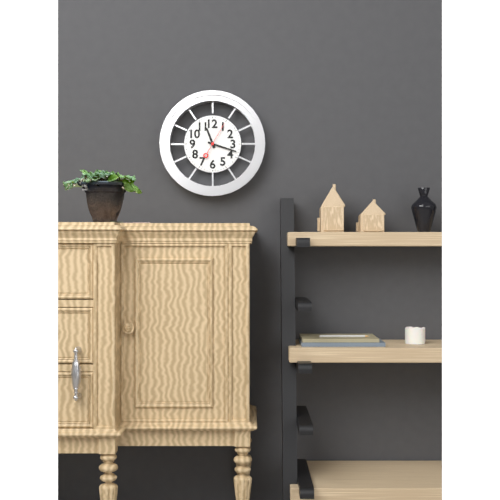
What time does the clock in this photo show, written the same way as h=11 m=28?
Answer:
h=11 m=18
